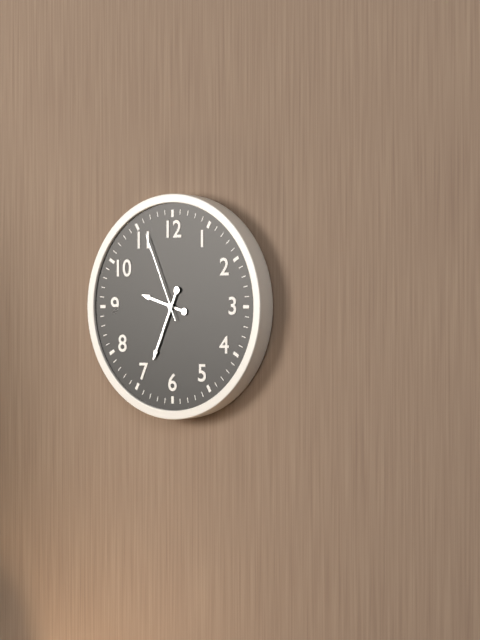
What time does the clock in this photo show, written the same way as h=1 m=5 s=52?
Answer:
h=9 m=34 s=56
